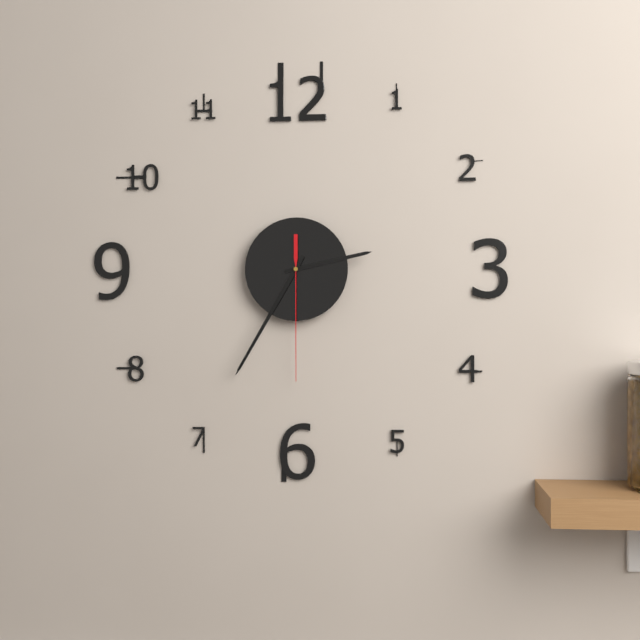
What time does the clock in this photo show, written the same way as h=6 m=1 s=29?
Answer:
h=2 m=35 s=30
